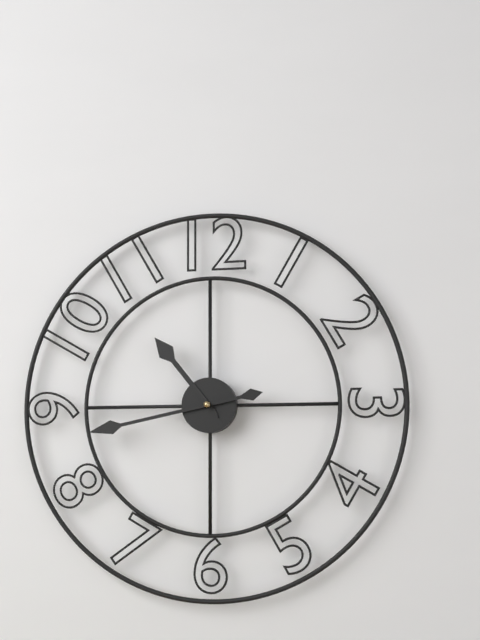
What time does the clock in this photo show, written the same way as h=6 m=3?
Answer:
h=10 m=43
